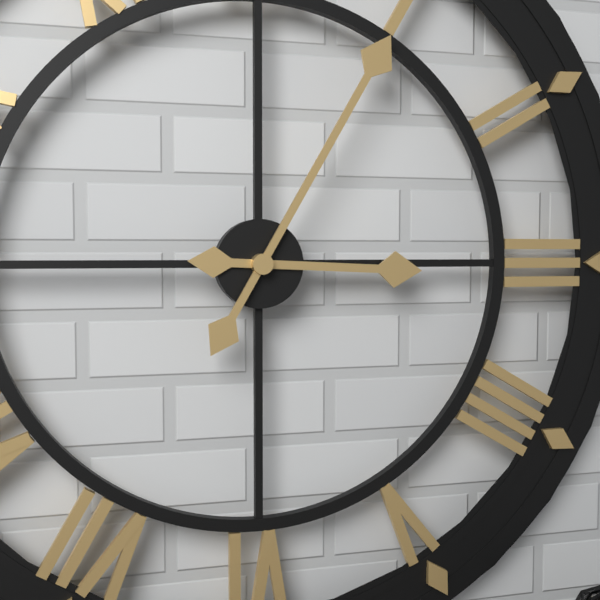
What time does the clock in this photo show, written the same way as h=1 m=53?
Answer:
h=3 m=5
